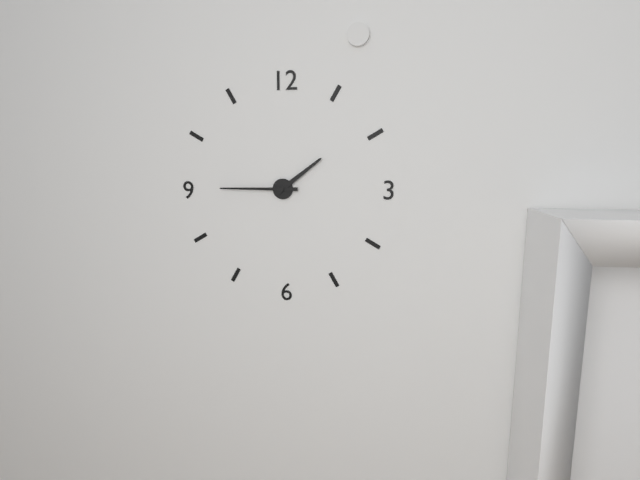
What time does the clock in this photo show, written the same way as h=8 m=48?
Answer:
h=1 m=45
